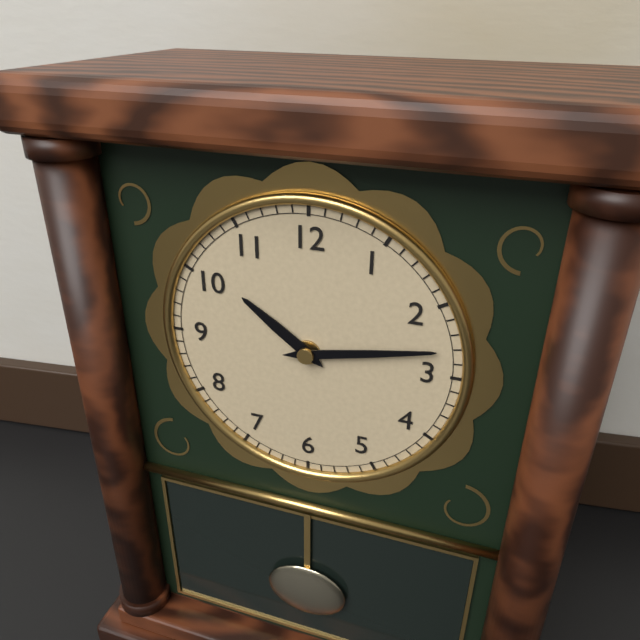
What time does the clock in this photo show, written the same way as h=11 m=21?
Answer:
h=10 m=13
